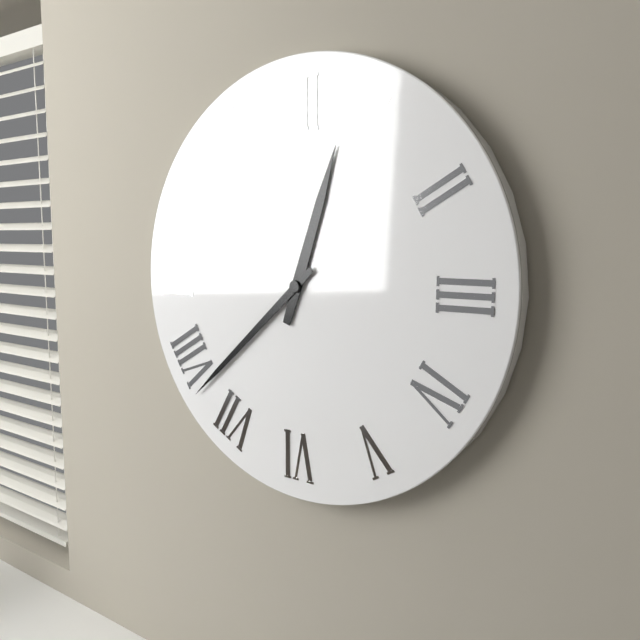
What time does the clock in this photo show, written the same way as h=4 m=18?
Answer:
h=12 m=38
